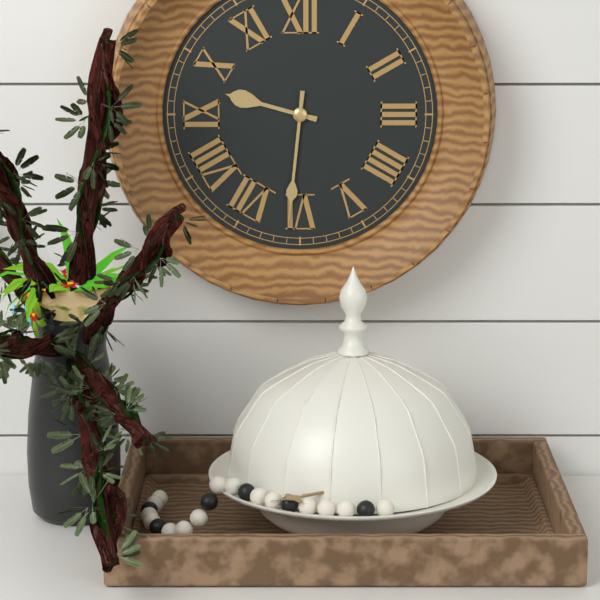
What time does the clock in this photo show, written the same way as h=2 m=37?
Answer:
h=9 m=31
